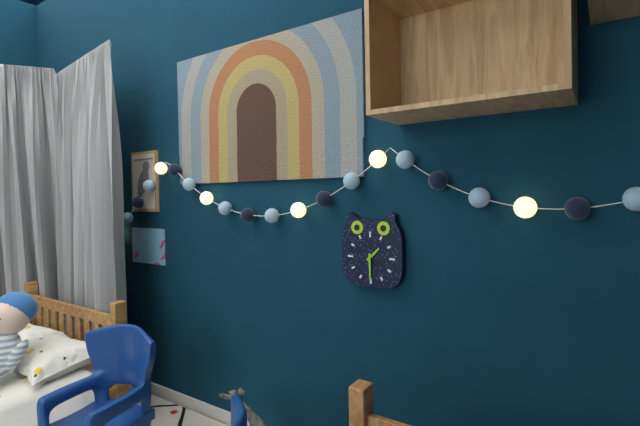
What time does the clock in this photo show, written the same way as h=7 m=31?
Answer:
h=1 m=30
